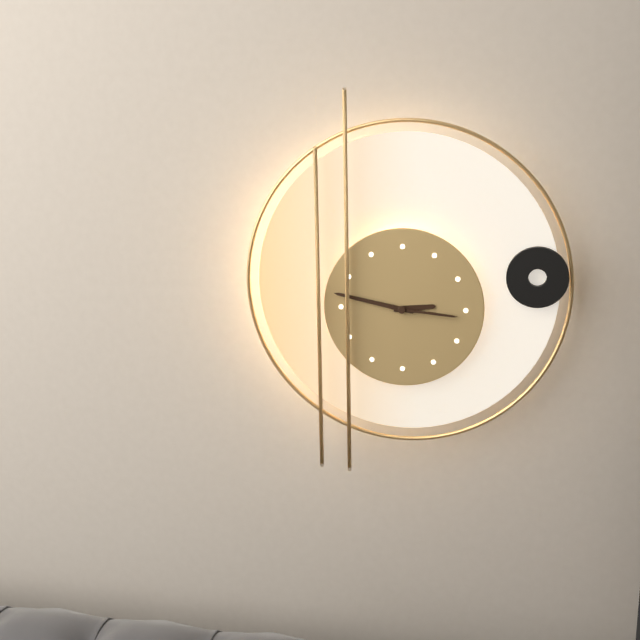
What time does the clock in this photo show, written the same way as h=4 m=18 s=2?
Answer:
h=2 m=47 s=16
